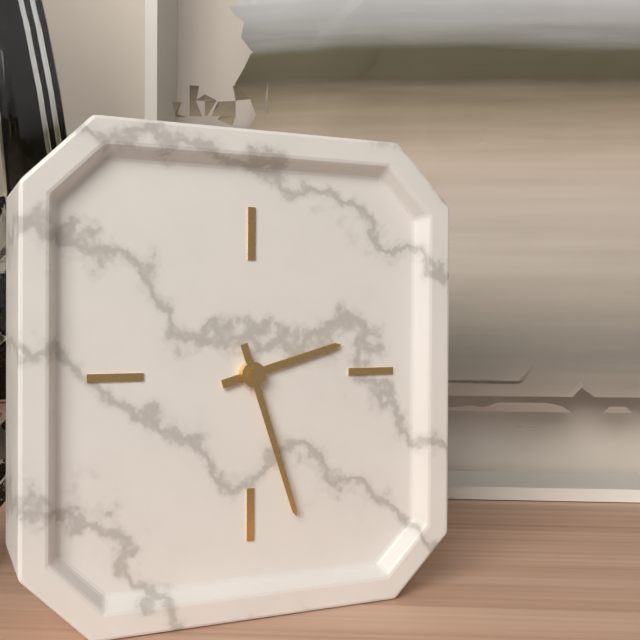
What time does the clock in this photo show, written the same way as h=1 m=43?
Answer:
h=2 m=27
